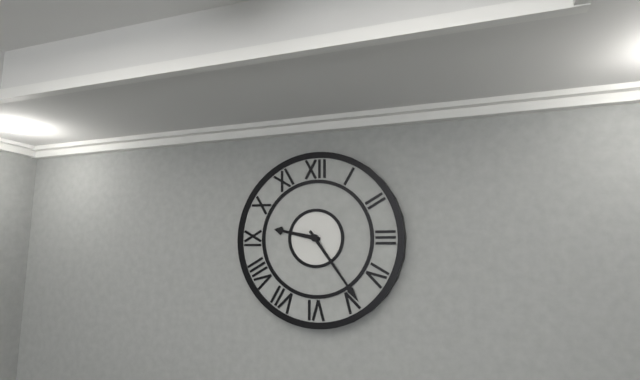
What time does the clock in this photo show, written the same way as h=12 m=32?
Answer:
h=9 m=24
